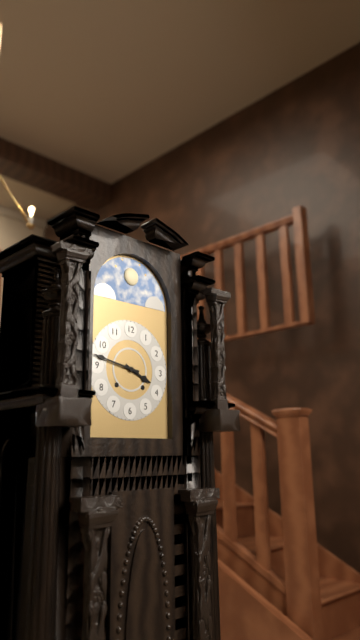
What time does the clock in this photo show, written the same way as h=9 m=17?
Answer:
h=3 m=47
